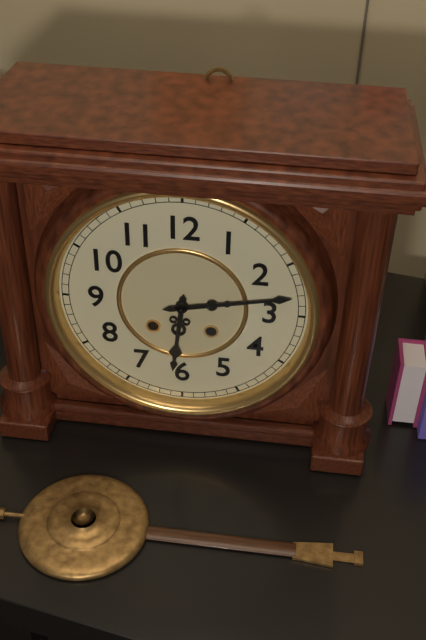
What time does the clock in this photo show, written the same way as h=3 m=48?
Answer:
h=6 m=13
